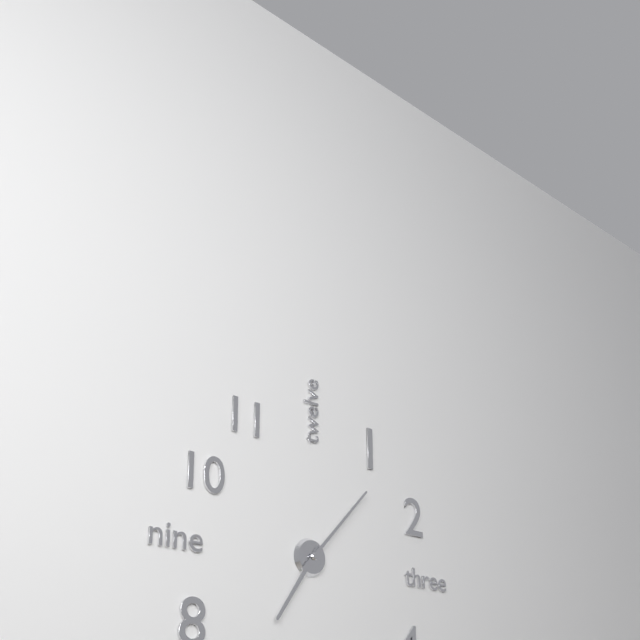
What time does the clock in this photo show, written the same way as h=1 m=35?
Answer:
h=7 m=7
